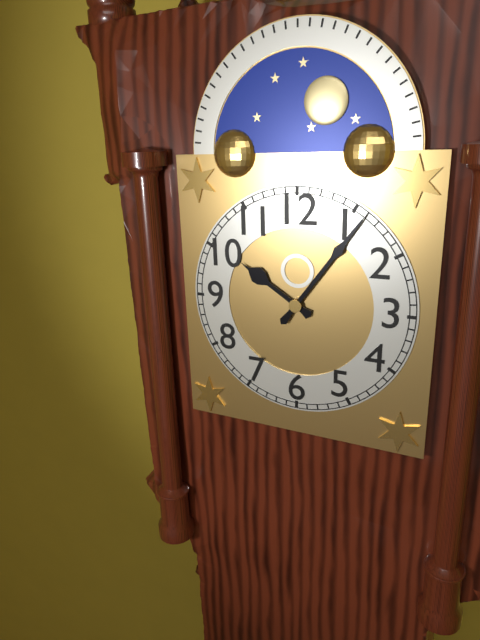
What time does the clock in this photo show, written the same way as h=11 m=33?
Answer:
h=10 m=6
